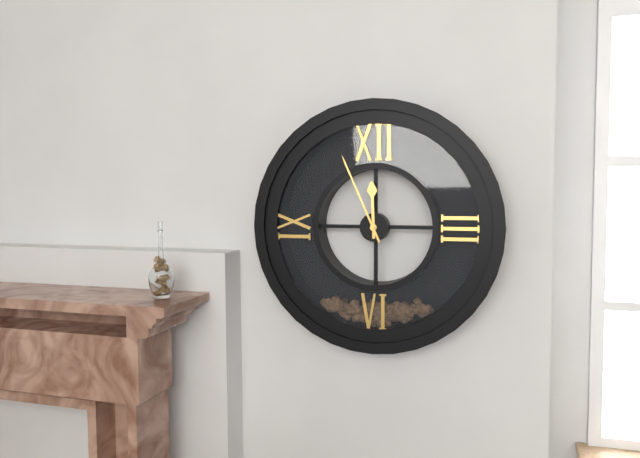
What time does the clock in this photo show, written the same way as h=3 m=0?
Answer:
h=11 m=56
